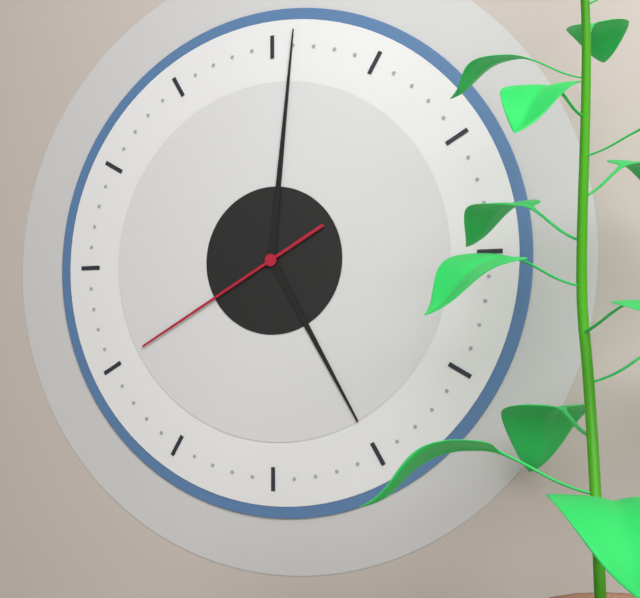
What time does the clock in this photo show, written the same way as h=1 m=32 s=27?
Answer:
h=5 m=1 s=40
